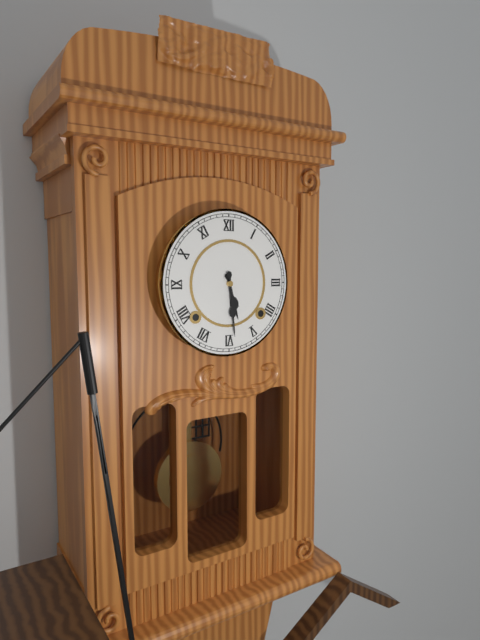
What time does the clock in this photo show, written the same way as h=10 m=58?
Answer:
h=5 m=29
